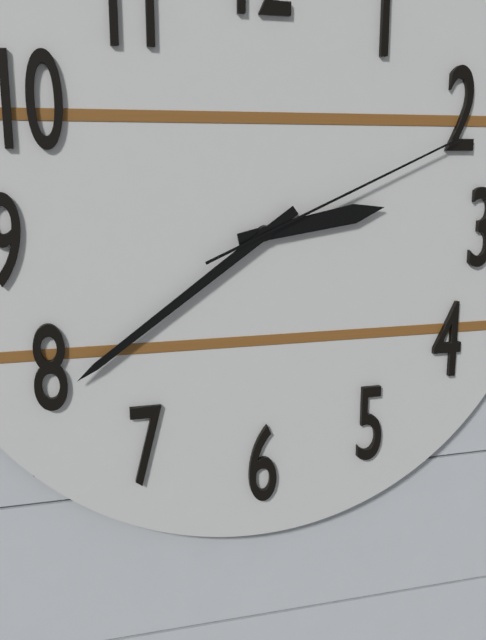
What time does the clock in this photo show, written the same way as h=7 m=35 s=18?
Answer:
h=2 m=39 s=11
